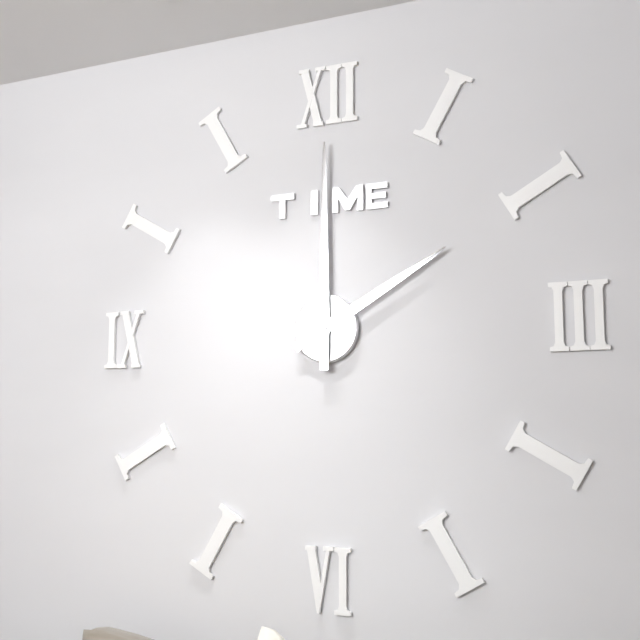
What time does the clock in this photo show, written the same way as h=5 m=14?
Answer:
h=2 m=0
